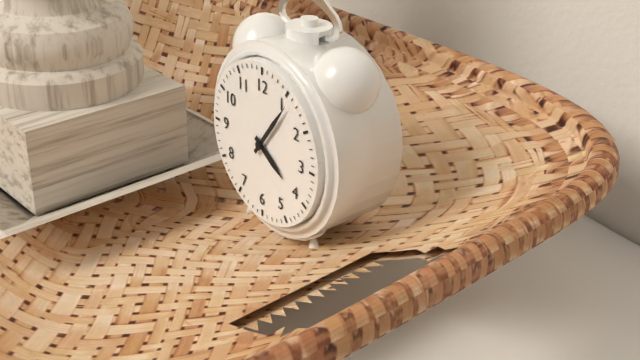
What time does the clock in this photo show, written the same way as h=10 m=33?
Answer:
h=4 m=6
